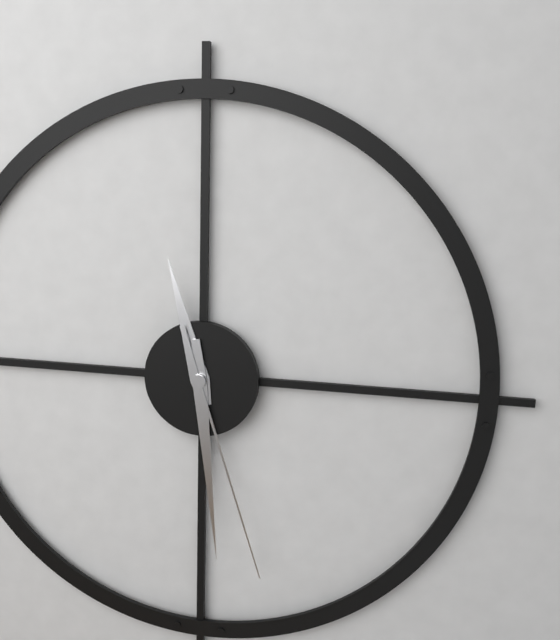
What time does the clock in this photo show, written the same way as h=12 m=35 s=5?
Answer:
h=11 m=29 s=27
